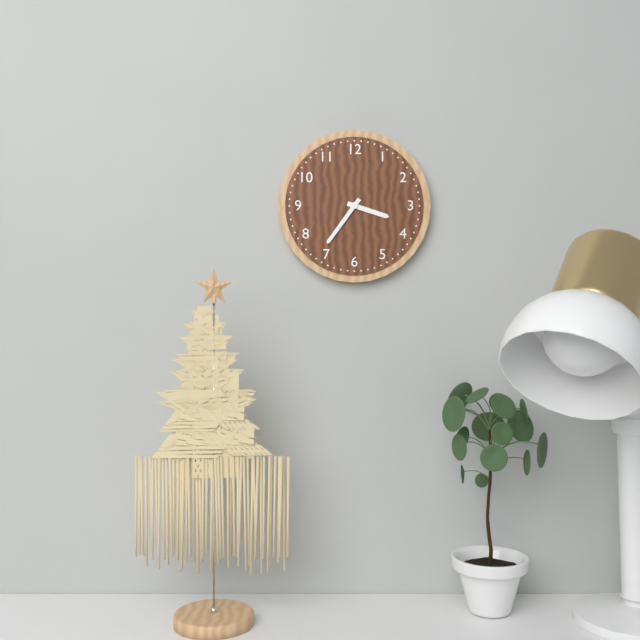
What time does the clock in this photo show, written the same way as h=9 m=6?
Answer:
h=3 m=36
